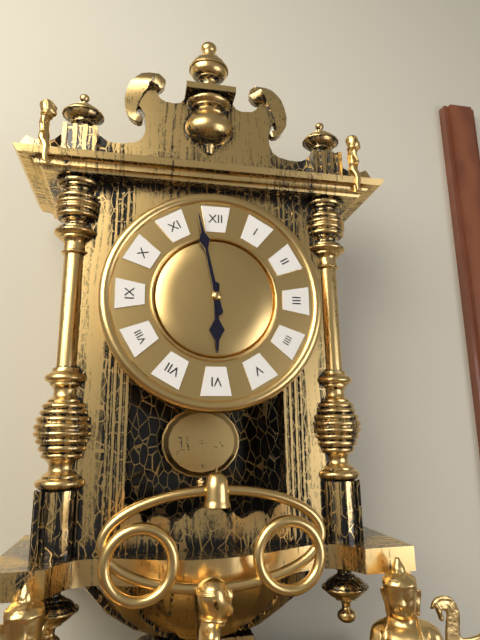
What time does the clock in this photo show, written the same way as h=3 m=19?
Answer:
h=5 m=58
